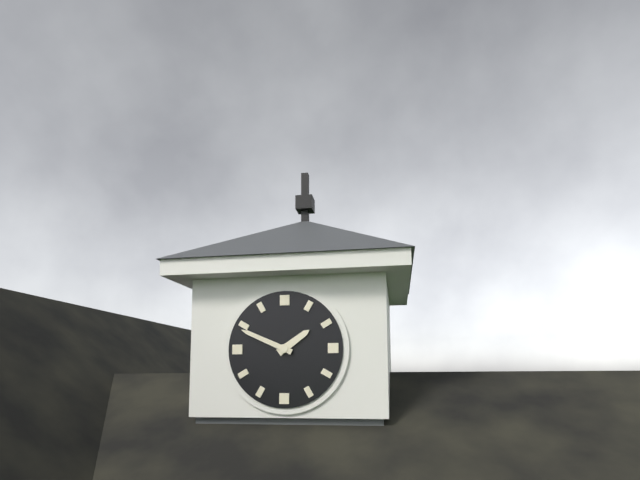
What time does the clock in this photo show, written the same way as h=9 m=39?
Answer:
h=1 m=49
